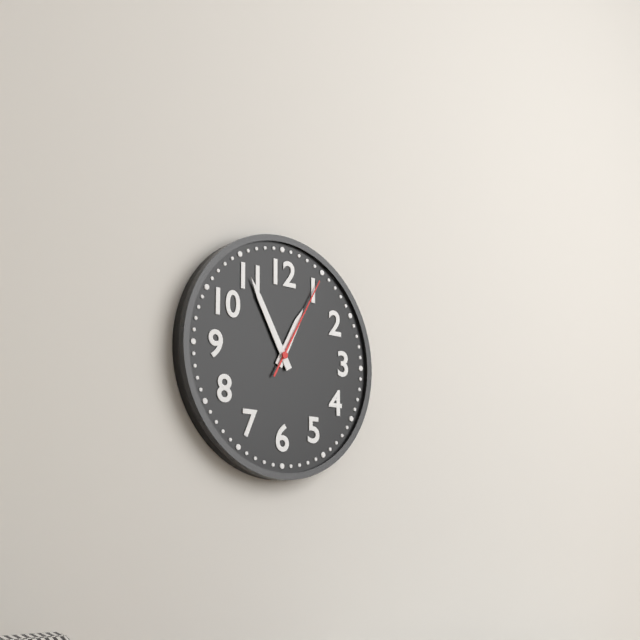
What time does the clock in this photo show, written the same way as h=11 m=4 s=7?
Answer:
h=12 m=55 s=5
